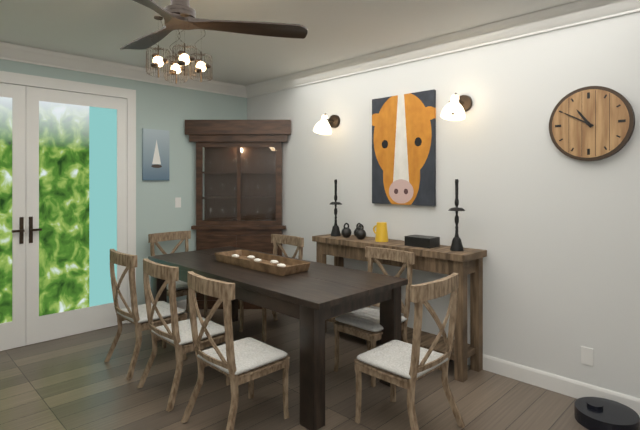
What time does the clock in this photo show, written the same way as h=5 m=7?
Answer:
h=10 m=50
